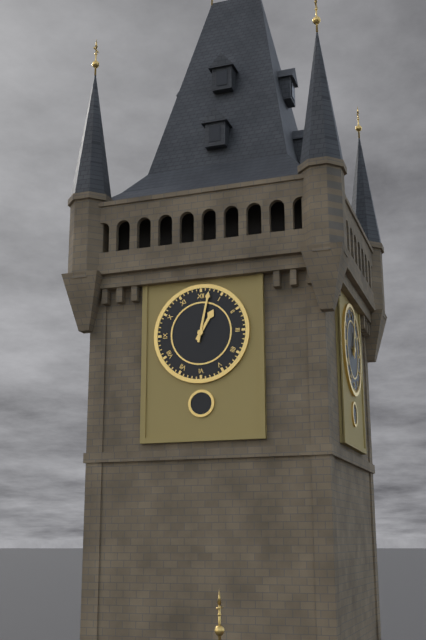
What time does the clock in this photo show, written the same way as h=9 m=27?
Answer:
h=1 m=2
